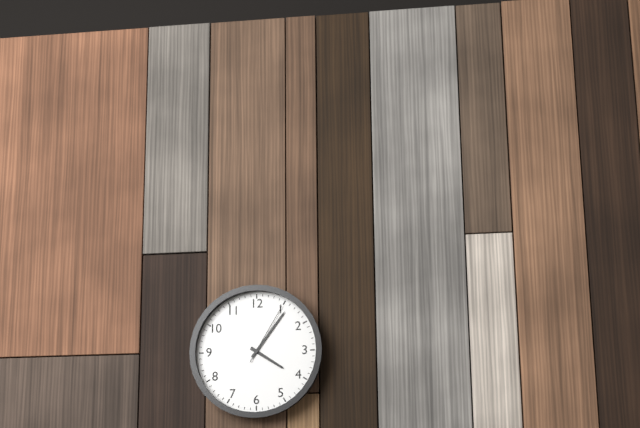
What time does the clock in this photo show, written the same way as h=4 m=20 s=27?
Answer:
h=4 m=6 s=5
